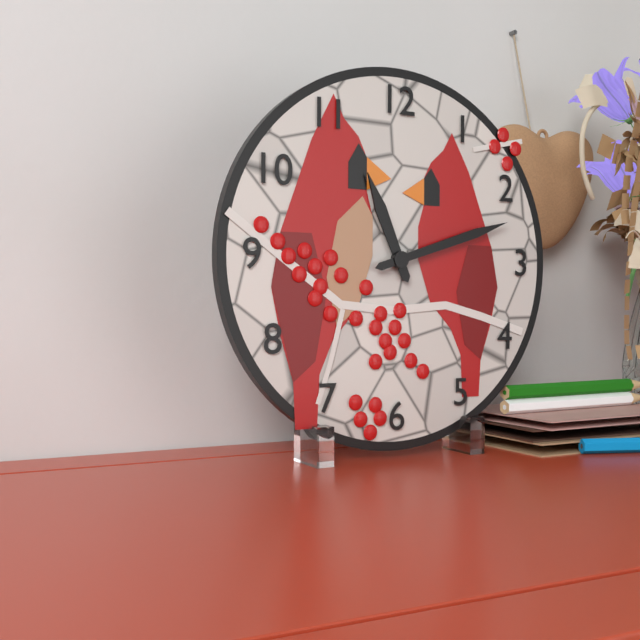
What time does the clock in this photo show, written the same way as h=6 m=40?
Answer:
h=11 m=12
